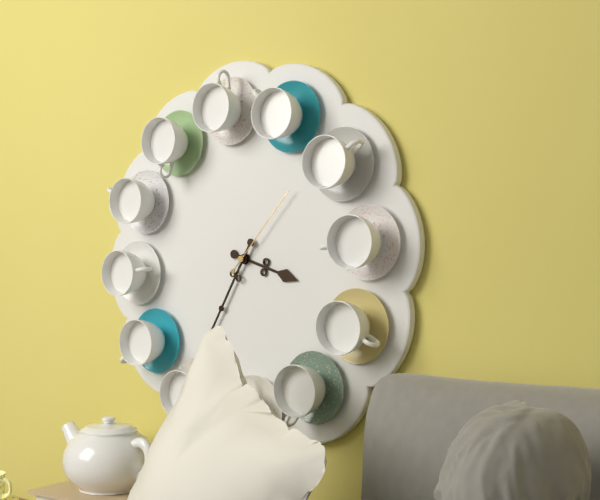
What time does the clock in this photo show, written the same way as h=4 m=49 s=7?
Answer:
h=3 m=35 s=7
